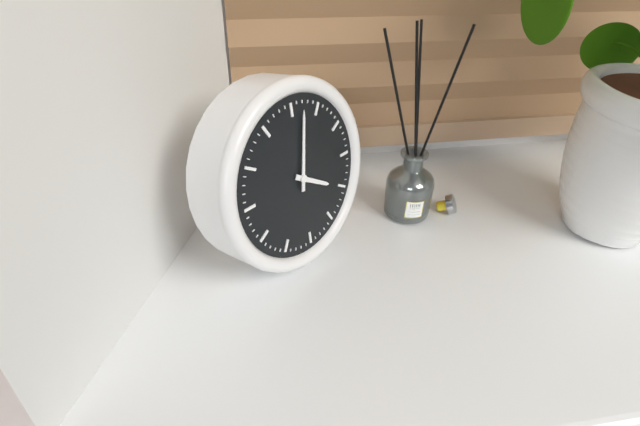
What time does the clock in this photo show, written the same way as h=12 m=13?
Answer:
h=4 m=2
